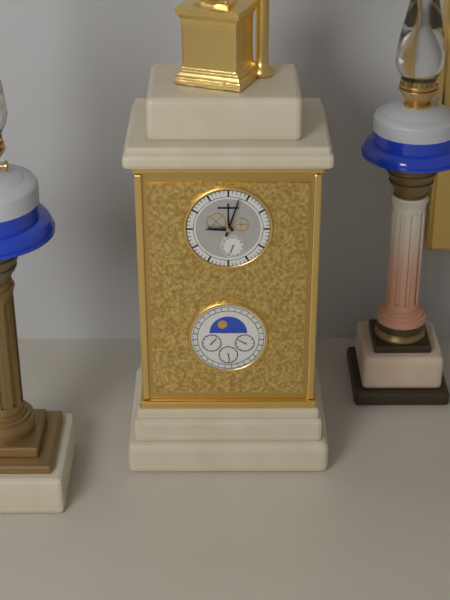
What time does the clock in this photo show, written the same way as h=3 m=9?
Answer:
h=9 m=3
